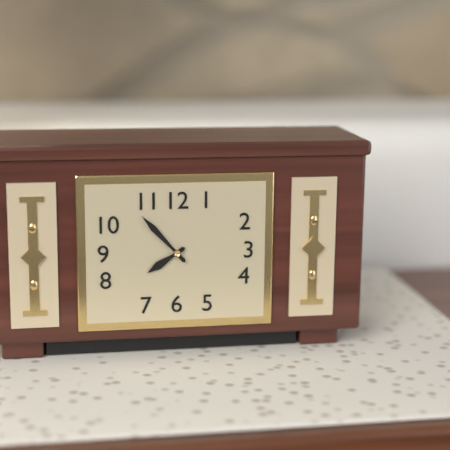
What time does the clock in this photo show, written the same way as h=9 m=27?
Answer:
h=7 m=53
